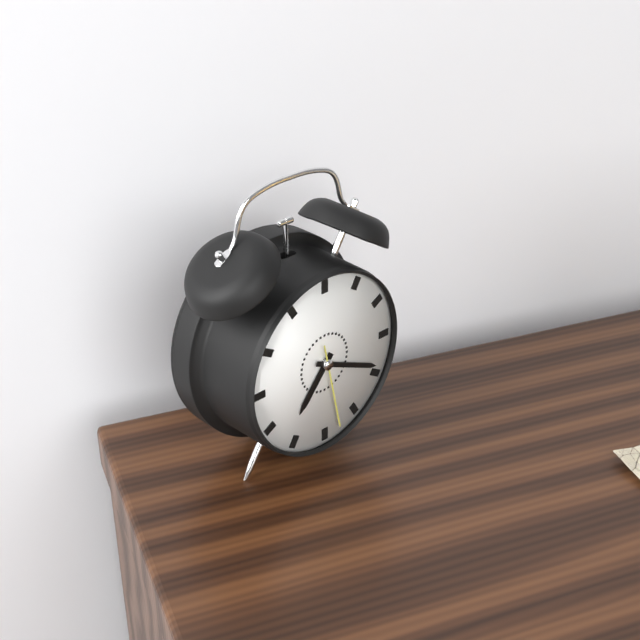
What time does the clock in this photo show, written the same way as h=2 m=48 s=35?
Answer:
h=7 m=19 s=28
